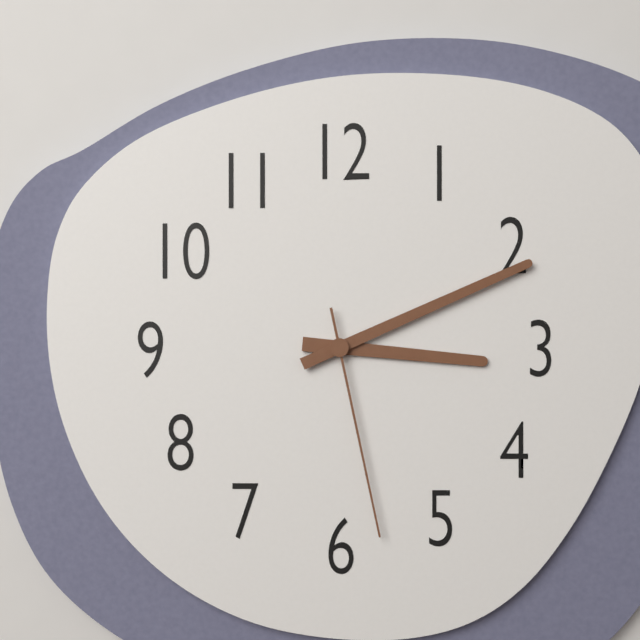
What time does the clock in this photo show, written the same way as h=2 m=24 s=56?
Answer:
h=3 m=11 s=28
